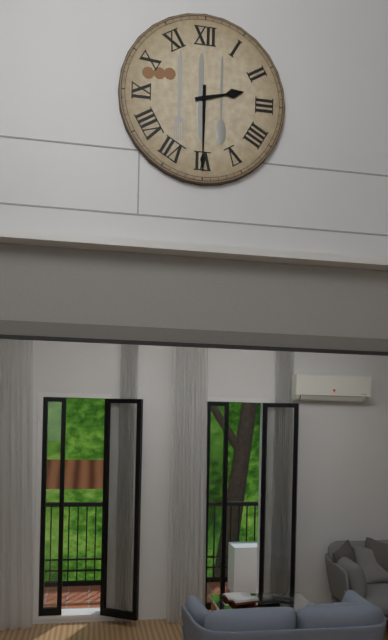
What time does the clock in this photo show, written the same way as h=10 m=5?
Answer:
h=2 m=30
